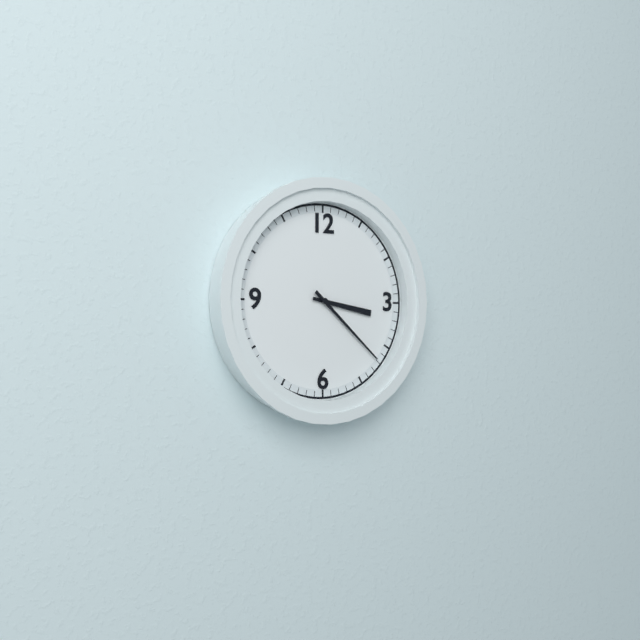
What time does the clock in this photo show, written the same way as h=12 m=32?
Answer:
h=3 m=22
